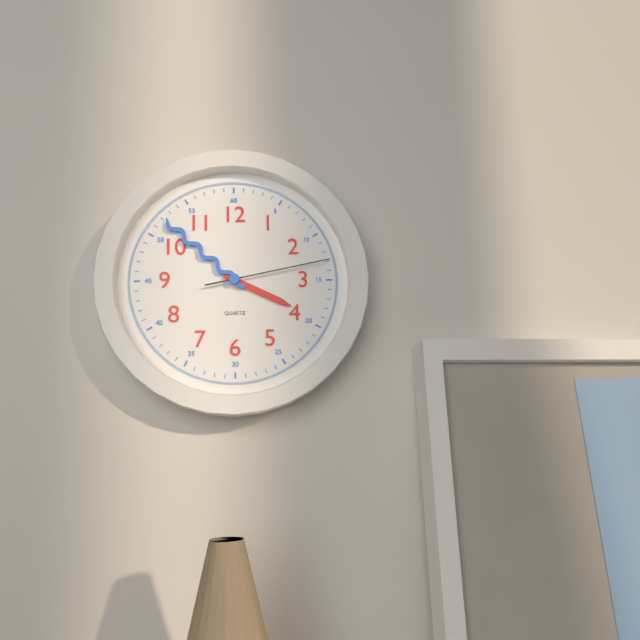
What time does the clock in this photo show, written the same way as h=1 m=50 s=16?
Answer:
h=3 m=52 s=13
